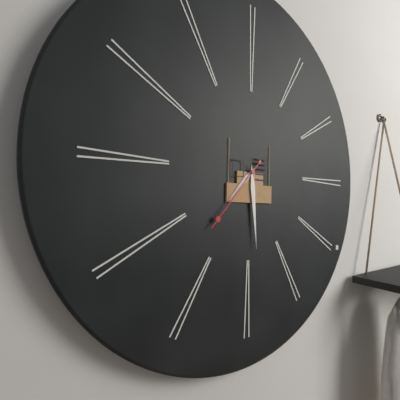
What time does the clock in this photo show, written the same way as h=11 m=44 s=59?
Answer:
h=7 m=29 s=37
